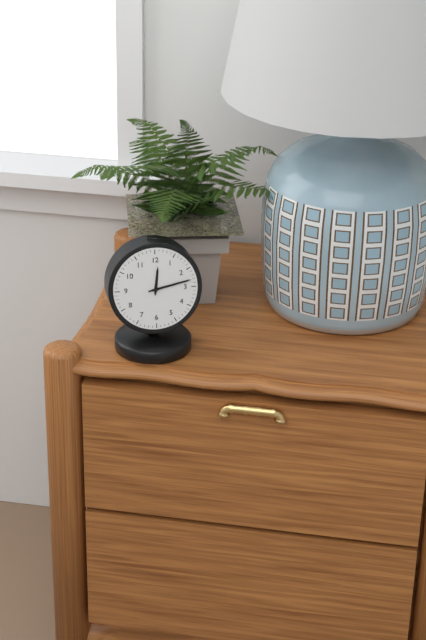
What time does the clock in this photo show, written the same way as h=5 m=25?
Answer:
h=12 m=13
